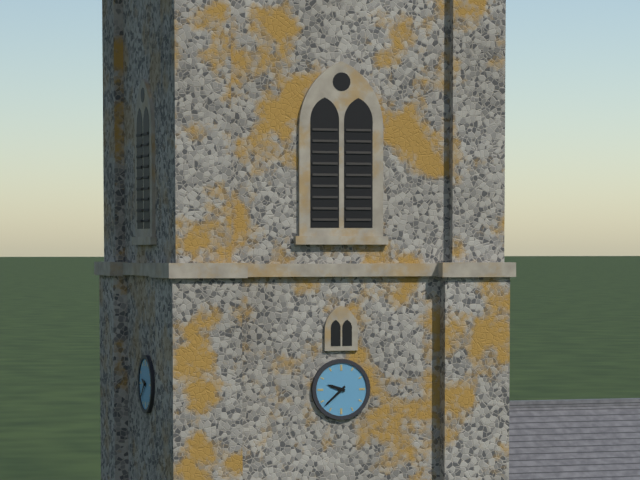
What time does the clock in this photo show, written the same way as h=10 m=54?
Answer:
h=9 m=38
